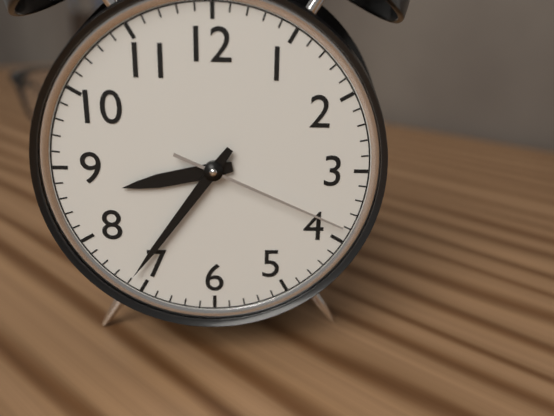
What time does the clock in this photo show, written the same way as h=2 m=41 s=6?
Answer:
h=8 m=36 s=19
